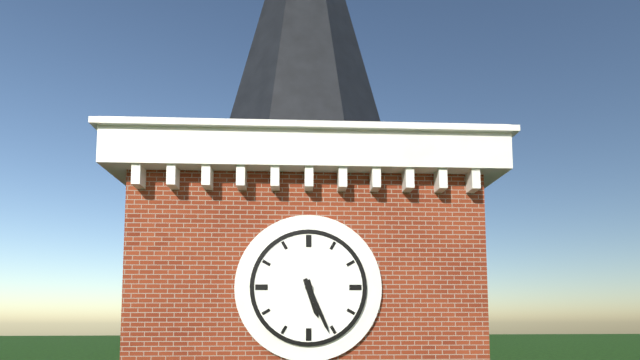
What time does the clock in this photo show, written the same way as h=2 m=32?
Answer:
h=5 m=26
